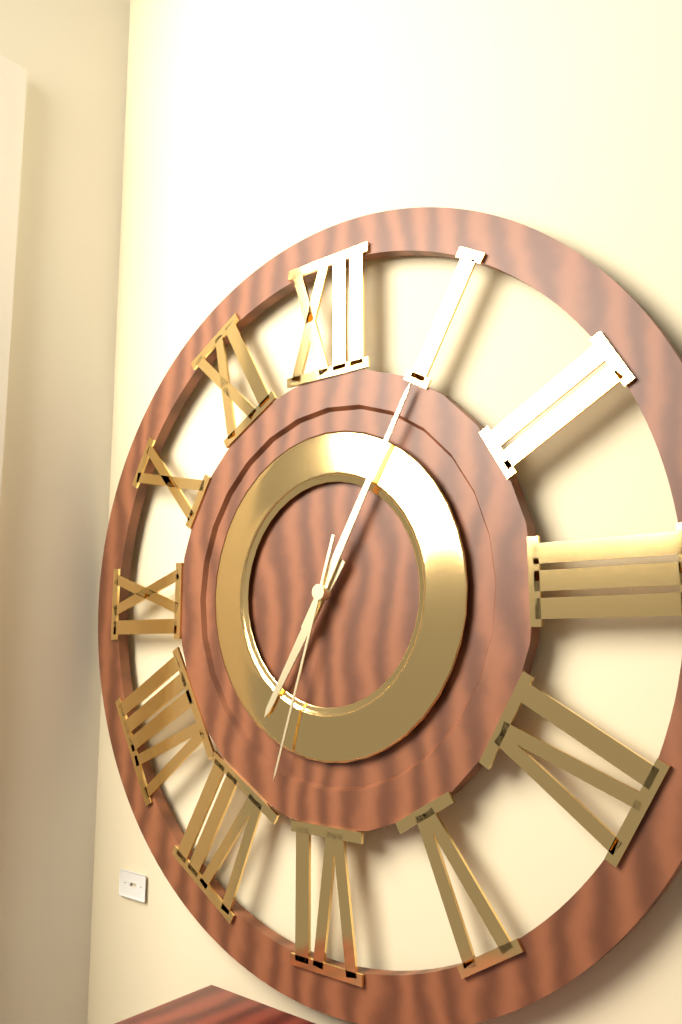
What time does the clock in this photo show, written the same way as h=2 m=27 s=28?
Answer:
h=7 m=5 s=33
